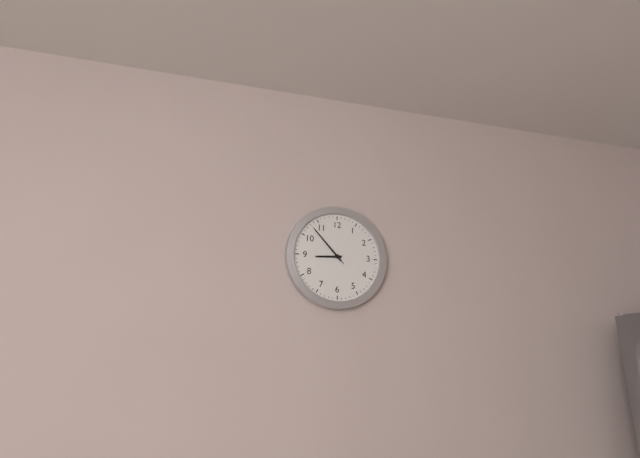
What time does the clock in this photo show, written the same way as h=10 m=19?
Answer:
h=8 m=53
